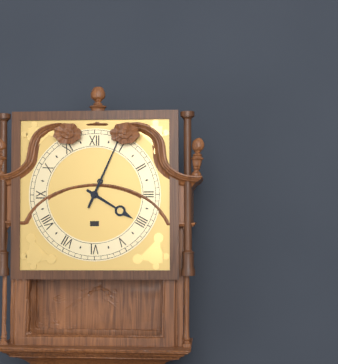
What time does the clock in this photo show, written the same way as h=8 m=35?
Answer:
h=4 m=4
